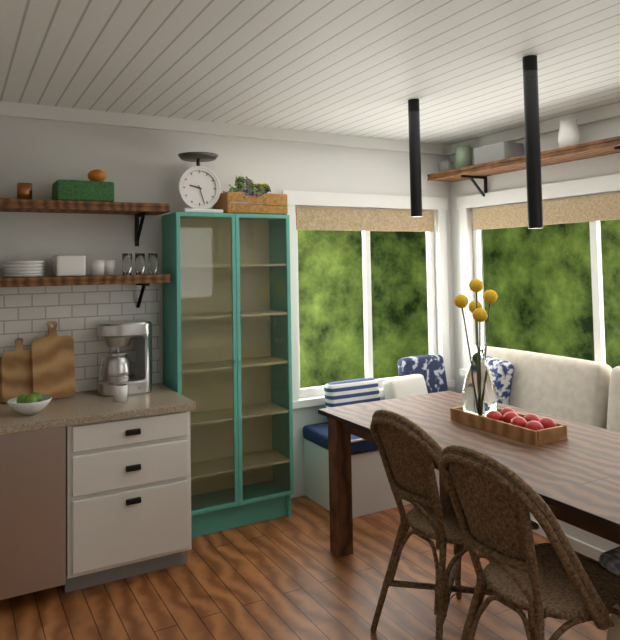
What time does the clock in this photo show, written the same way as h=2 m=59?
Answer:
h=9 m=27
